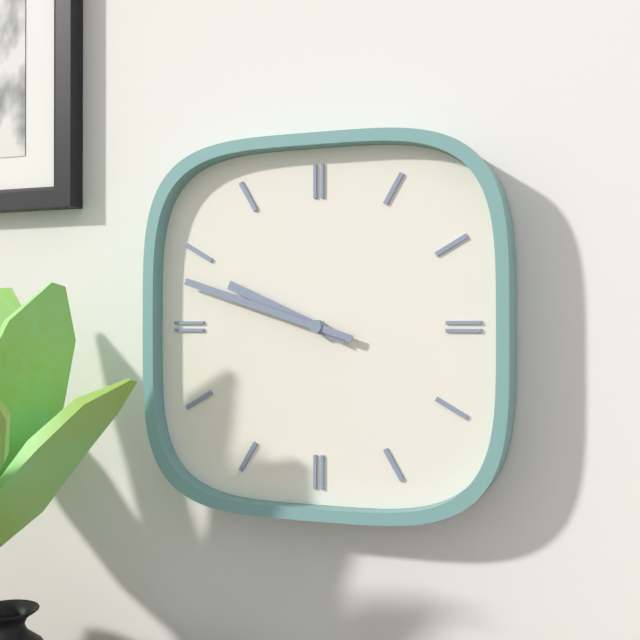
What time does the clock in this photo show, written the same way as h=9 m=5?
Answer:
h=9 m=48
